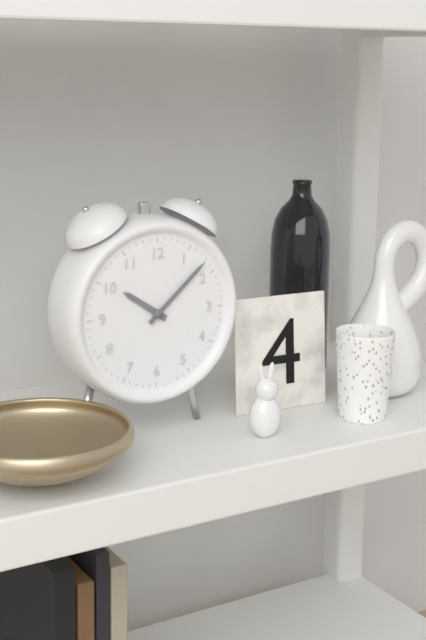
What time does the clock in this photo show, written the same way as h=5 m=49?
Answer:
h=10 m=8
